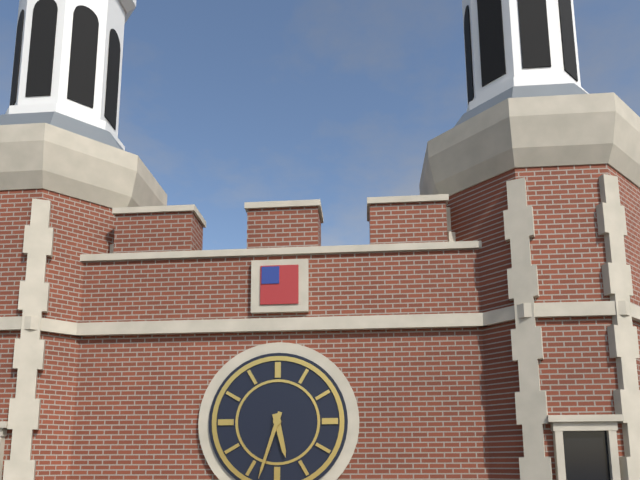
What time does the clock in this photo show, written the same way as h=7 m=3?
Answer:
h=5 m=33
